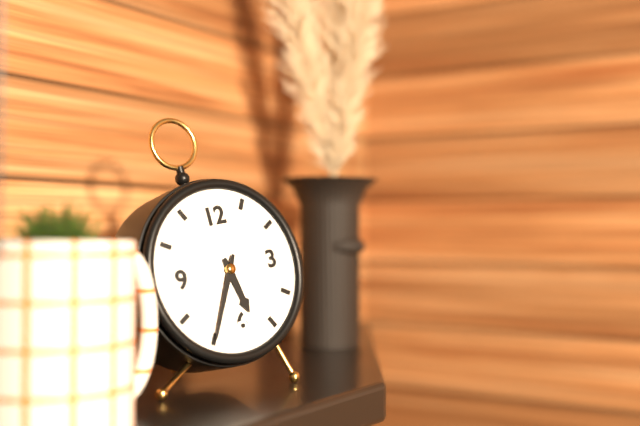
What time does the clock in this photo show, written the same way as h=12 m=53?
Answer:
h=5 m=35
